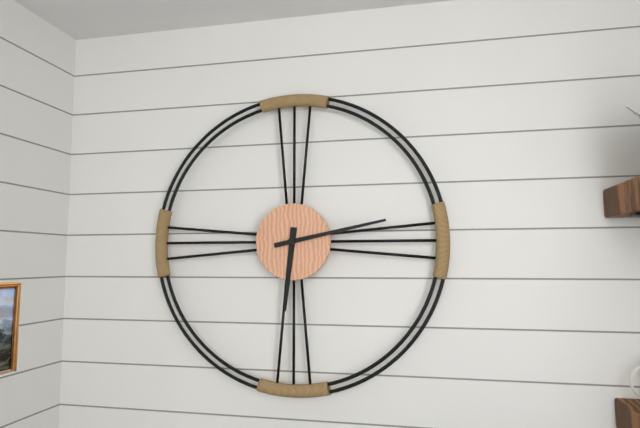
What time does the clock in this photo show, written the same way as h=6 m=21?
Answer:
h=6 m=13
